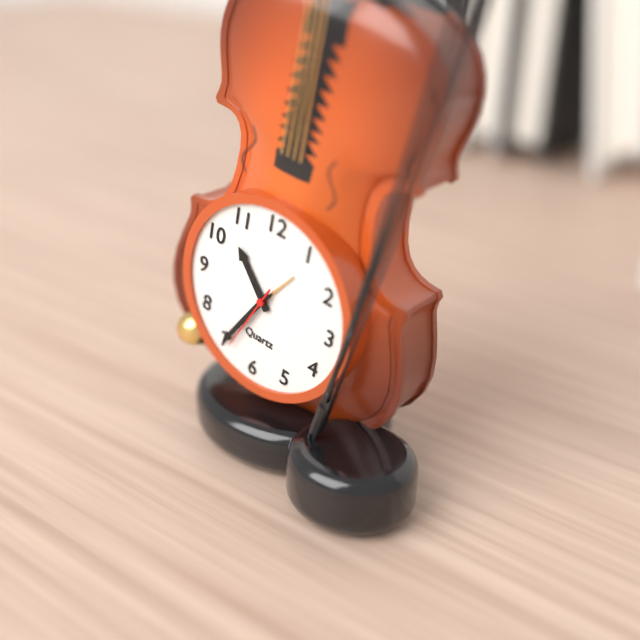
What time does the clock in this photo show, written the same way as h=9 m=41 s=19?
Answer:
h=10 m=35 s=34
